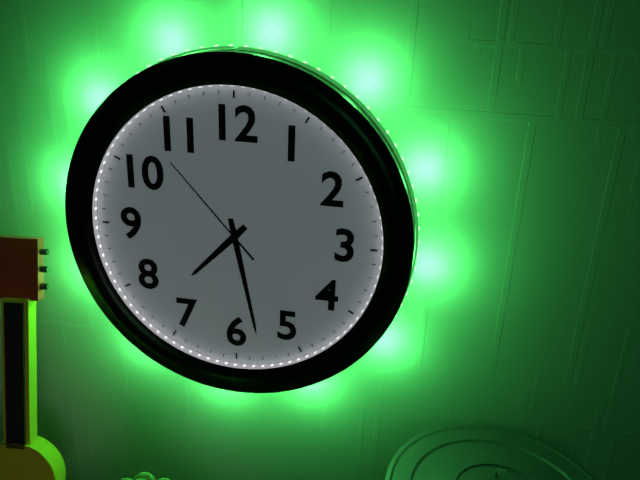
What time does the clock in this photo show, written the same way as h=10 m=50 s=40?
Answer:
h=7 m=28 s=53
